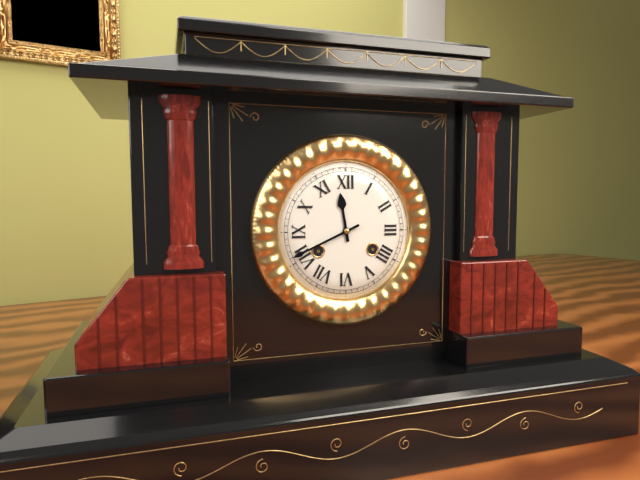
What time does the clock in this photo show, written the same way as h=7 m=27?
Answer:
h=11 m=41
